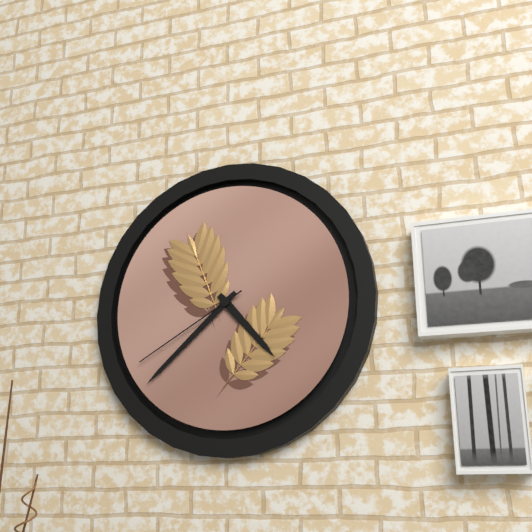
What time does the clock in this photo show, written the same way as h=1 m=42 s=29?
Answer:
h=4 m=38 s=40
